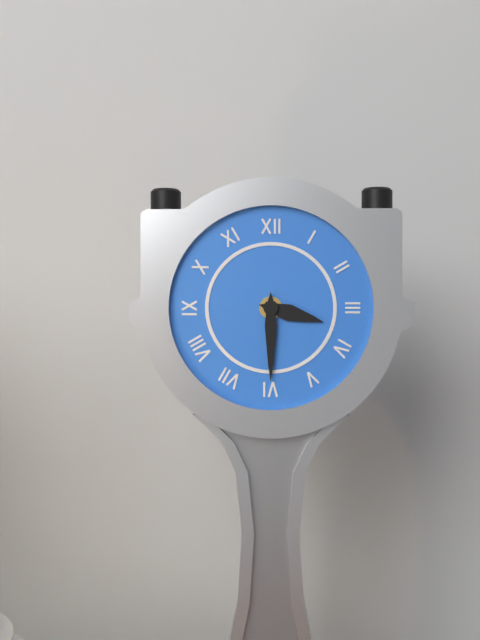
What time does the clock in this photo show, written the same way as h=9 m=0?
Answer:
h=3 m=30
